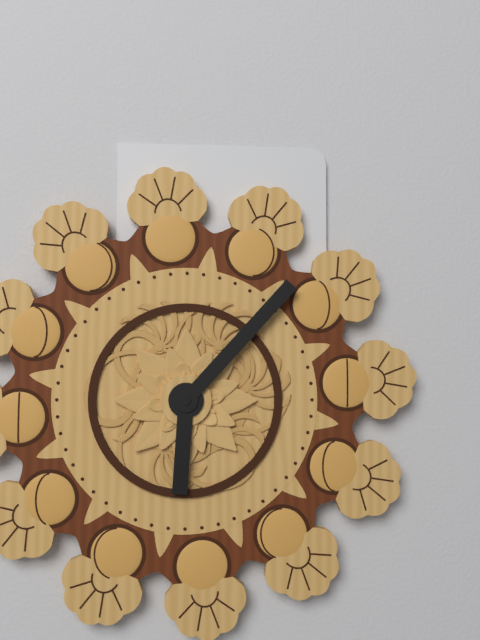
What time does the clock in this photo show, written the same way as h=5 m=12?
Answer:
h=6 m=7
